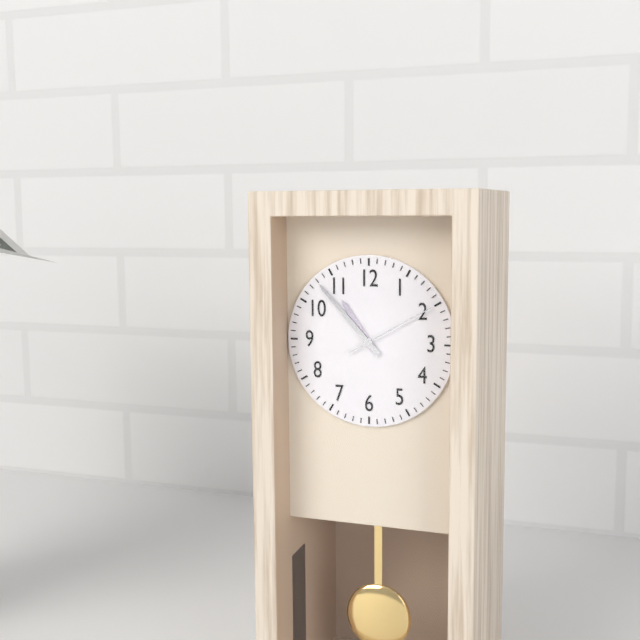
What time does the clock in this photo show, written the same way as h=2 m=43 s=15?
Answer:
h=10 m=53 s=10
